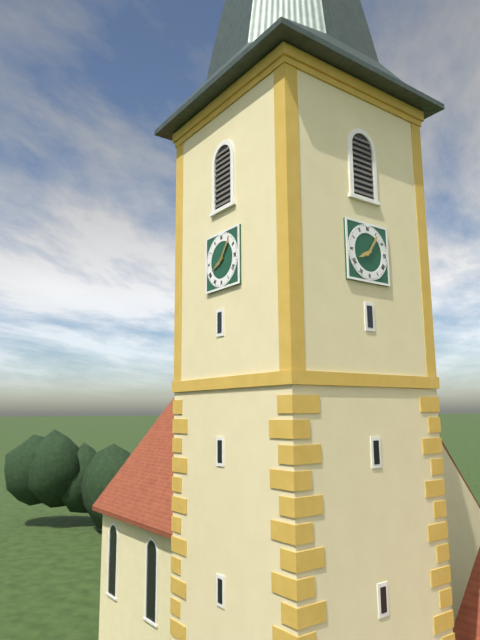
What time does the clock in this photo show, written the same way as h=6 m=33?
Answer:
h=8 m=6
